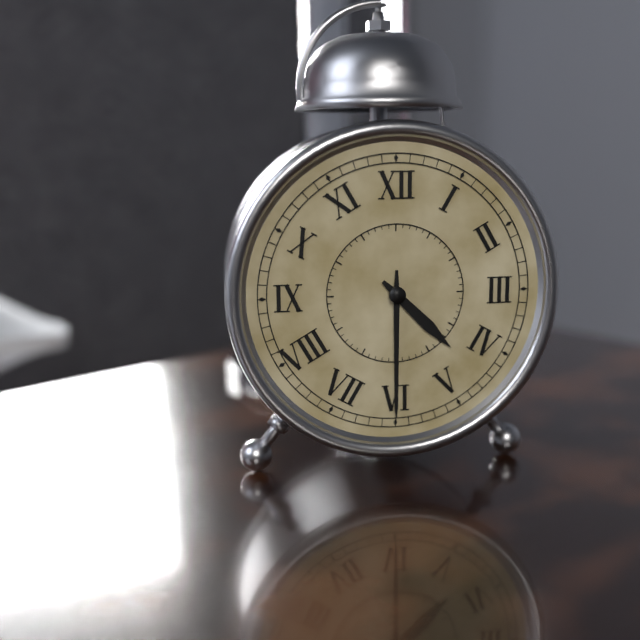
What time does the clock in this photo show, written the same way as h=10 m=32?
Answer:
h=4 m=30
